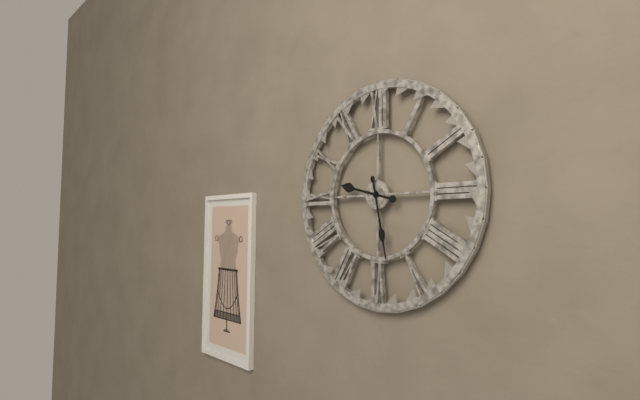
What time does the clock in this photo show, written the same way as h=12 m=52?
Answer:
h=9 m=28
